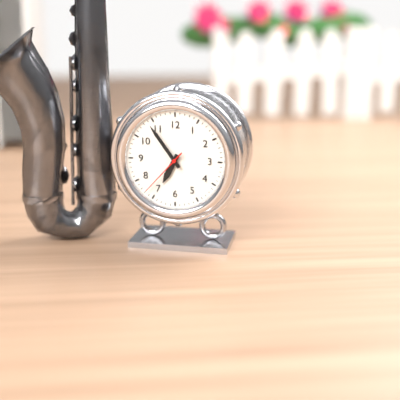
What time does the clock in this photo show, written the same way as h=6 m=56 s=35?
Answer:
h=6 m=54 s=37
